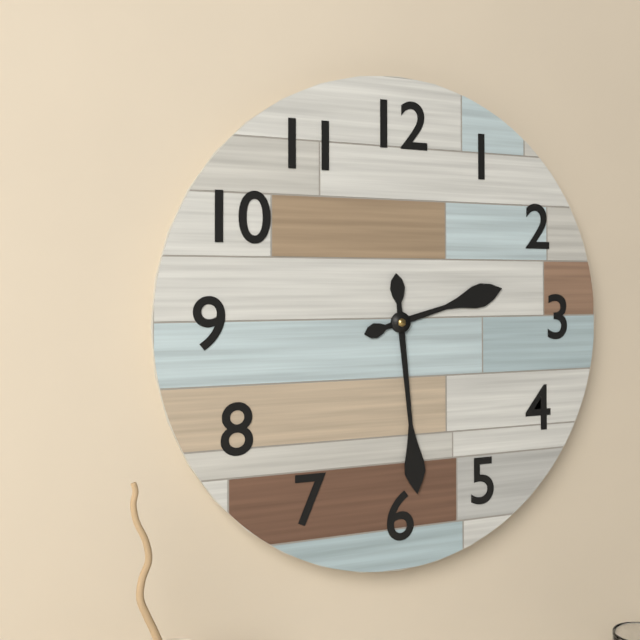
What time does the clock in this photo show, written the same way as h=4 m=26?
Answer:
h=2 m=29
